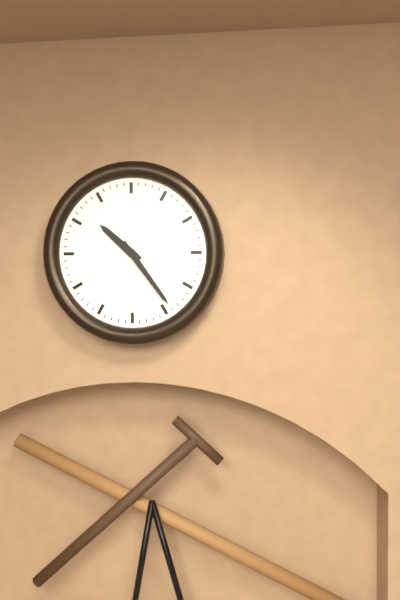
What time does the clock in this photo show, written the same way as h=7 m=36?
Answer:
h=10 m=24
